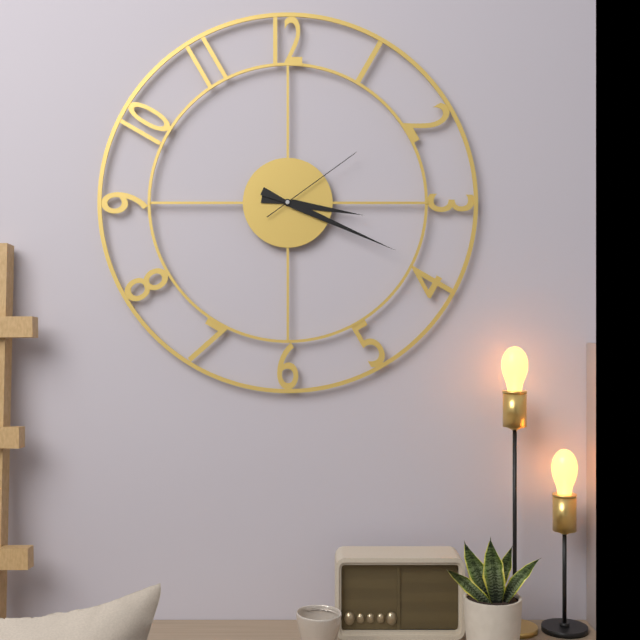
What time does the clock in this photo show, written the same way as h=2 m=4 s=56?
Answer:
h=3 m=19 s=9
